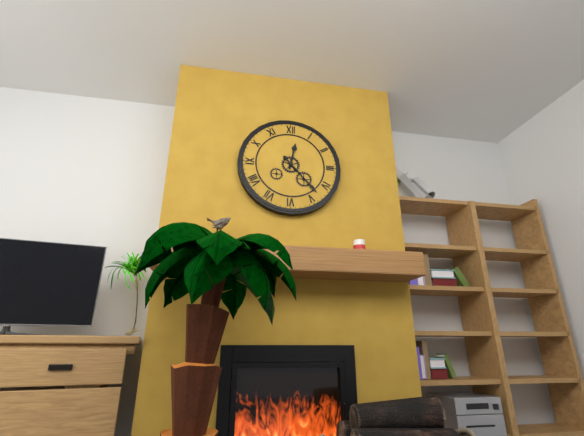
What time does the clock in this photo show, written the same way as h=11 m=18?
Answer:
h=12 m=23
